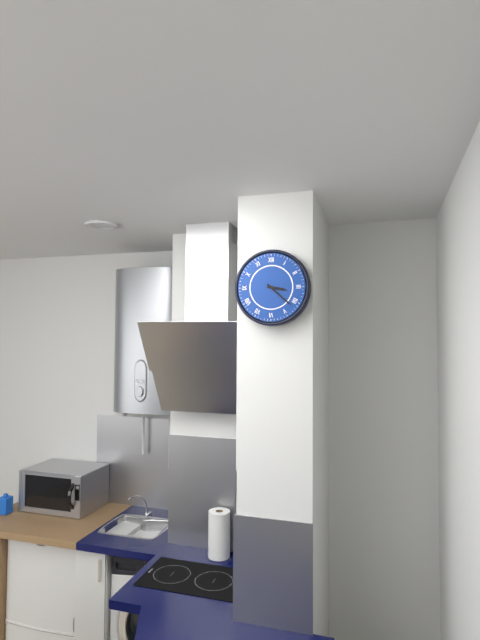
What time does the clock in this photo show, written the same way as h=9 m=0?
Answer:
h=3 m=22
